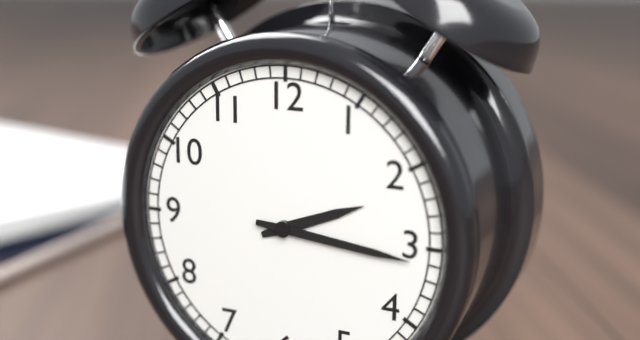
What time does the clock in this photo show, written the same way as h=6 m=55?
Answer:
h=2 m=16
